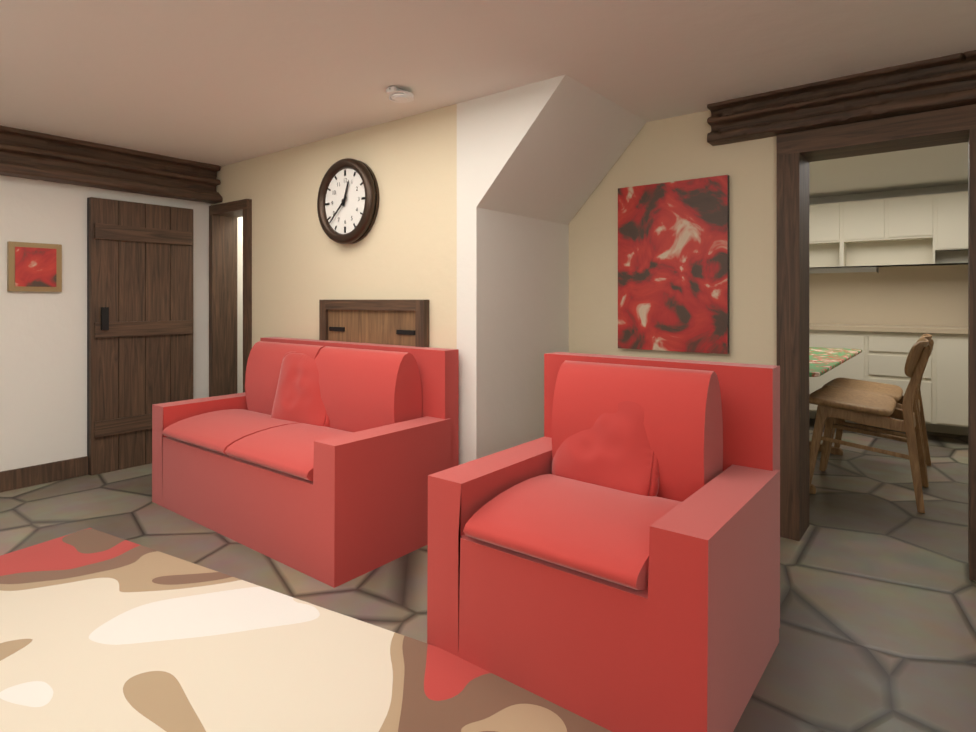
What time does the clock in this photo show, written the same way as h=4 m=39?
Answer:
h=12 m=38
